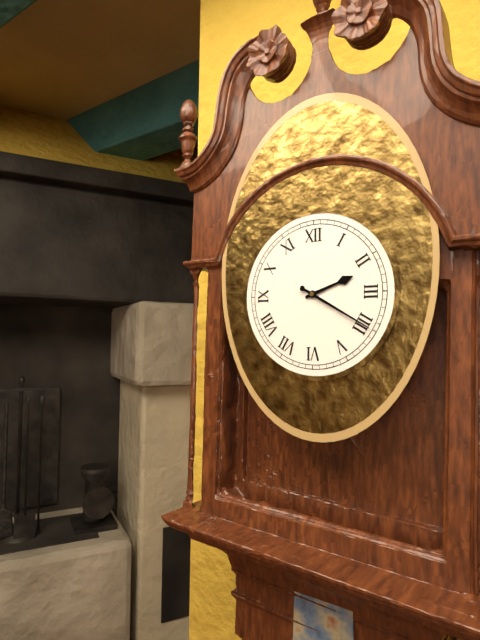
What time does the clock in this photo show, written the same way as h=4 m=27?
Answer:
h=2 m=20
